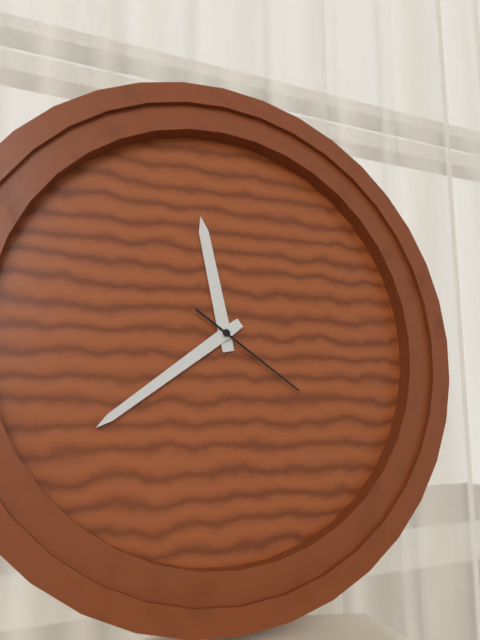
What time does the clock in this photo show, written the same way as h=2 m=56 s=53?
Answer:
h=11 m=39 s=21
